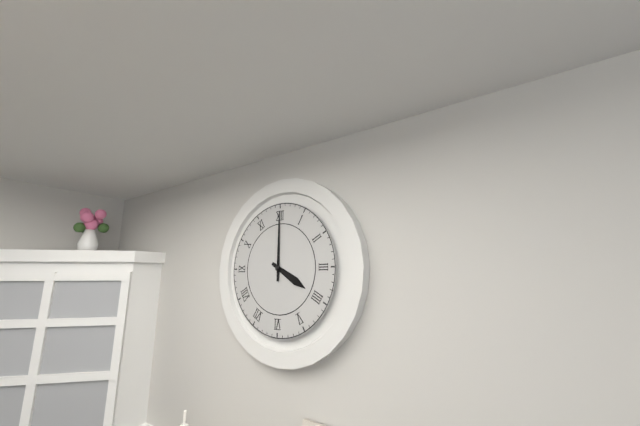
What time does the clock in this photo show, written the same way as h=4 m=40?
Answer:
h=4 m=0
